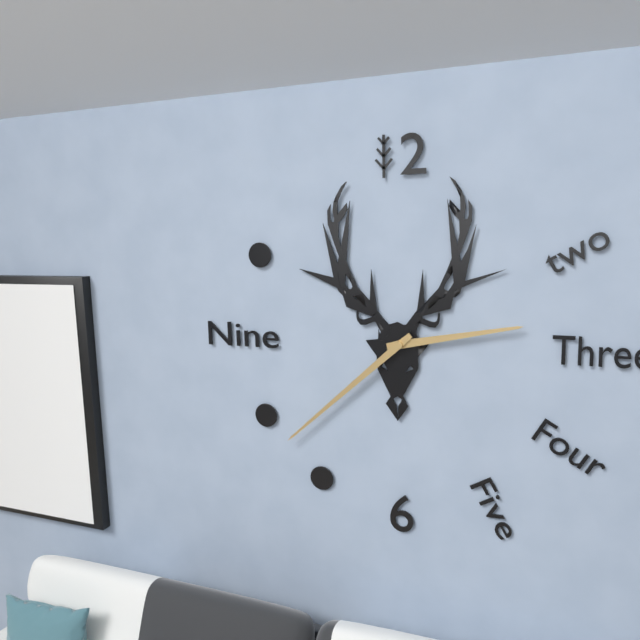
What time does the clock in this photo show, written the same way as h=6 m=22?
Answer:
h=2 m=38
